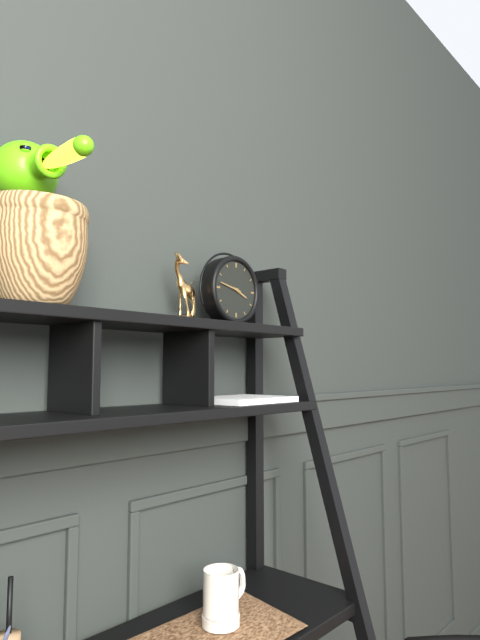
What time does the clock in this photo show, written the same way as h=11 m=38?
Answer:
h=3 m=47
